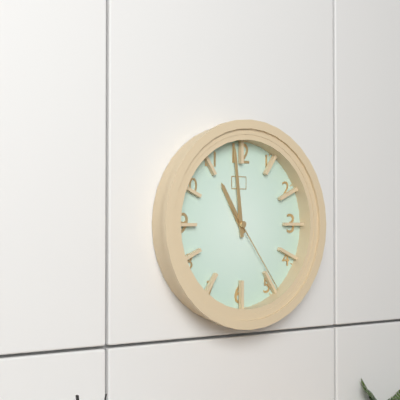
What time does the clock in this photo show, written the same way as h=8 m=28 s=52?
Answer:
h=10 m=59 s=24
